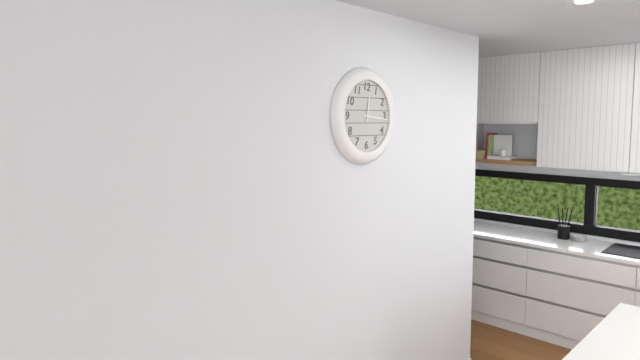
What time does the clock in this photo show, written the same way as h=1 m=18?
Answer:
h=12 m=16
